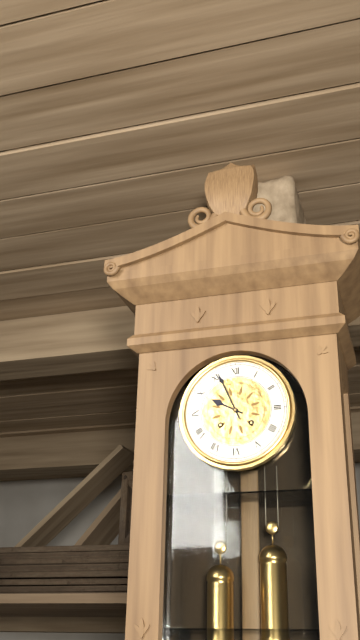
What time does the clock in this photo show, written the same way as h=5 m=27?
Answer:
h=9 m=56
